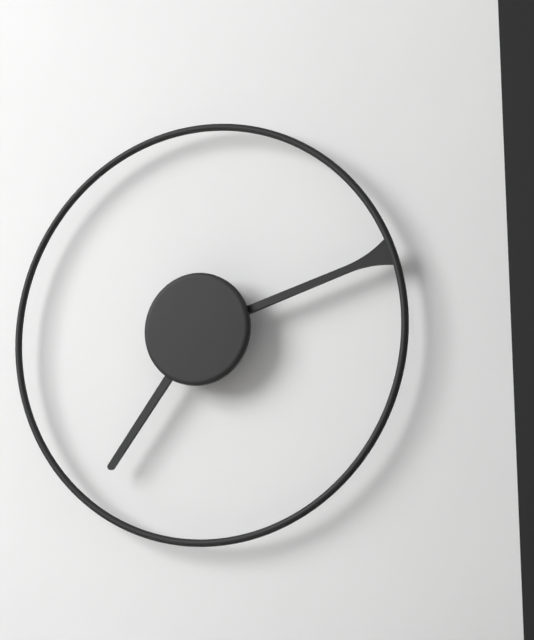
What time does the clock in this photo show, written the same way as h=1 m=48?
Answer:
h=7 m=12
